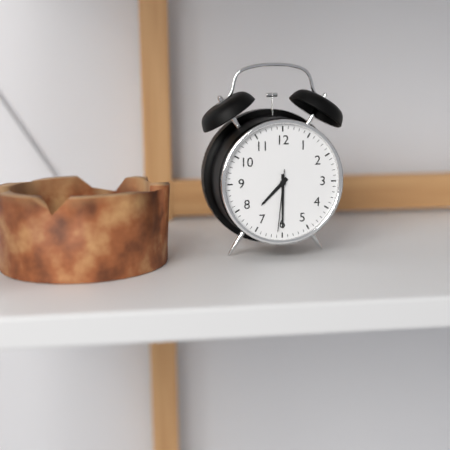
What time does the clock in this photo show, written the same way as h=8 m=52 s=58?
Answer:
h=7 m=30 s=31
